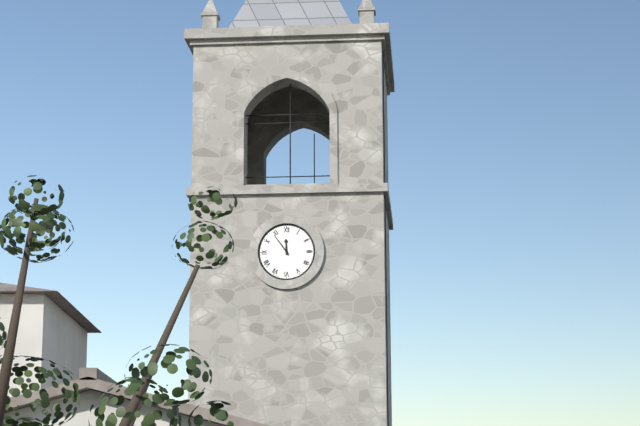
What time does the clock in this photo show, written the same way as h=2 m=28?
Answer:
h=11 m=54
